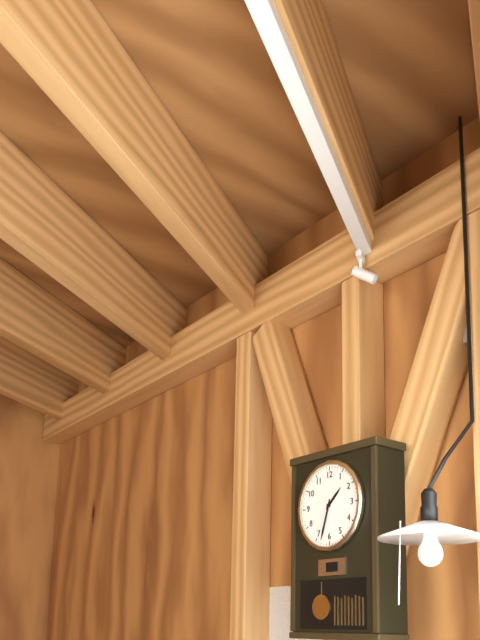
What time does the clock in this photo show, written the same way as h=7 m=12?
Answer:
h=1 m=33
